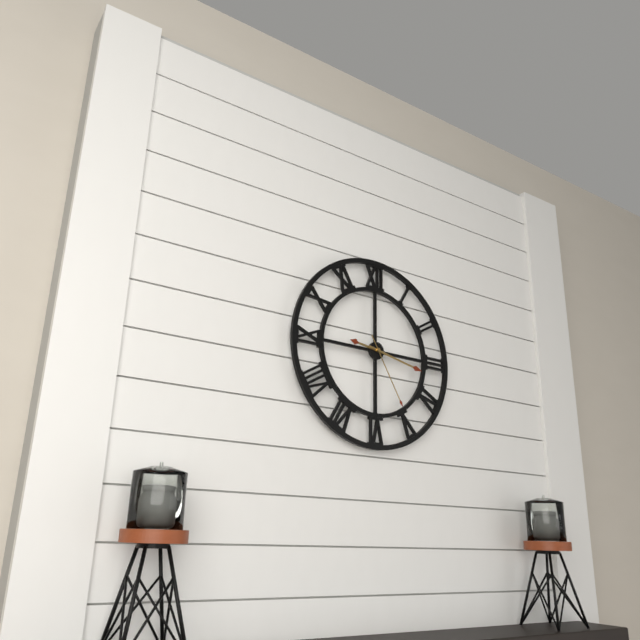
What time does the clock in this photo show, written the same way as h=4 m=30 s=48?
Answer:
h=9 m=17 s=25
